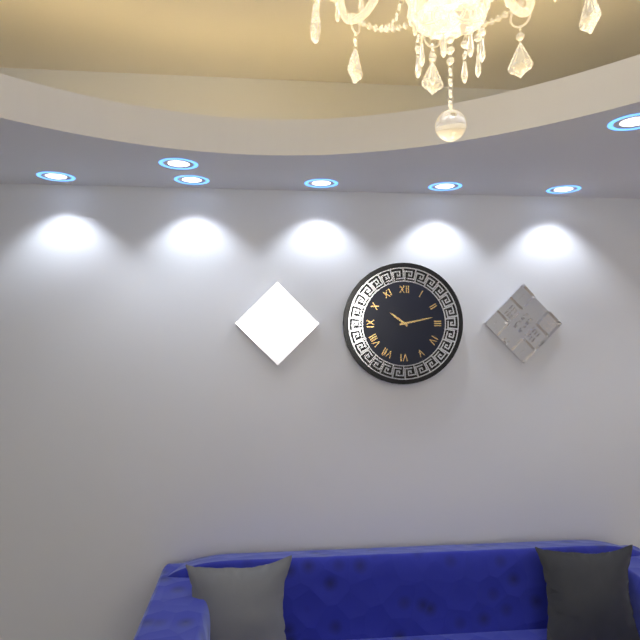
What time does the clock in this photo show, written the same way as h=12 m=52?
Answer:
h=10 m=13
